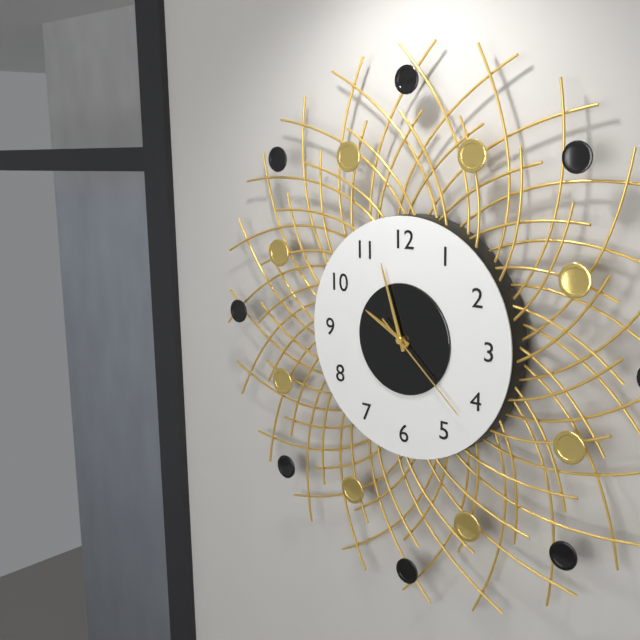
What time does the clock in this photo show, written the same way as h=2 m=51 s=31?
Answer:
h=9 m=57 s=22
